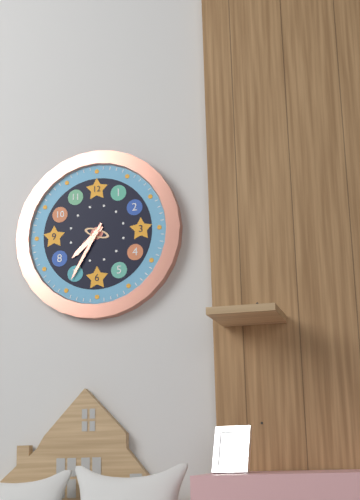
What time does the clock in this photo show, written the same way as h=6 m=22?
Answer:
h=7 m=35
